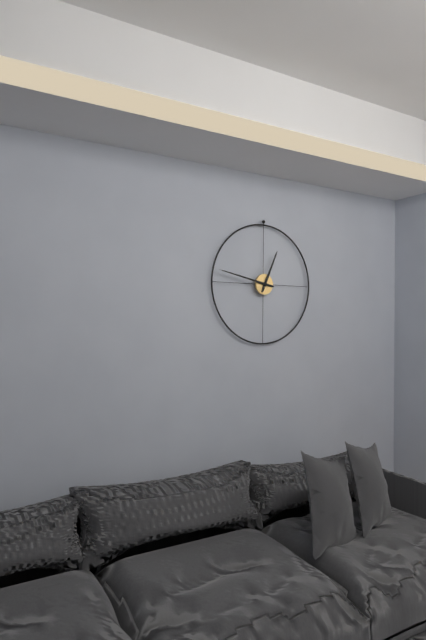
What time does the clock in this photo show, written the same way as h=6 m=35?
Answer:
h=12 m=47
